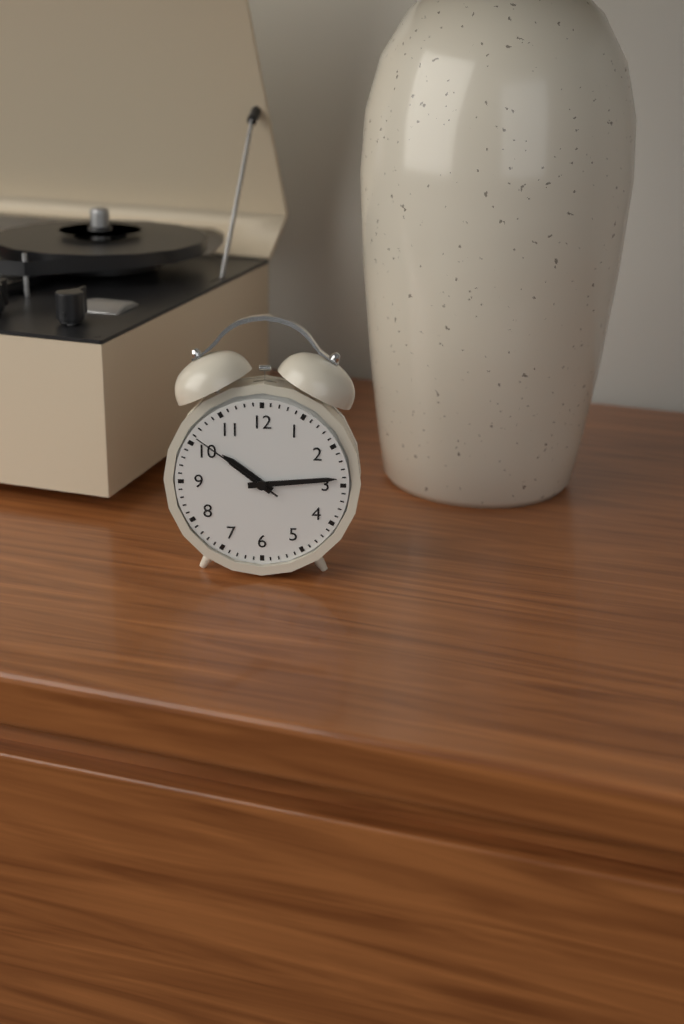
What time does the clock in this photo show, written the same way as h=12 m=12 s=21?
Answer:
h=10 m=14 s=51
